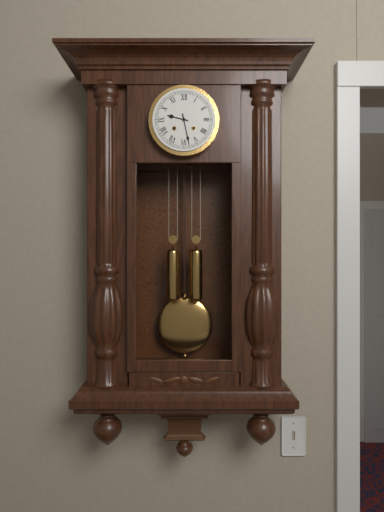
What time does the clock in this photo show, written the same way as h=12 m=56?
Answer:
h=9 m=28
